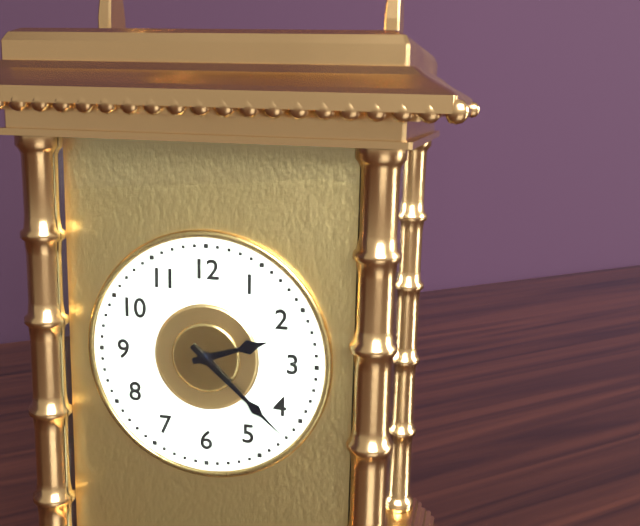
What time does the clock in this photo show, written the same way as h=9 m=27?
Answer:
h=2 m=22
